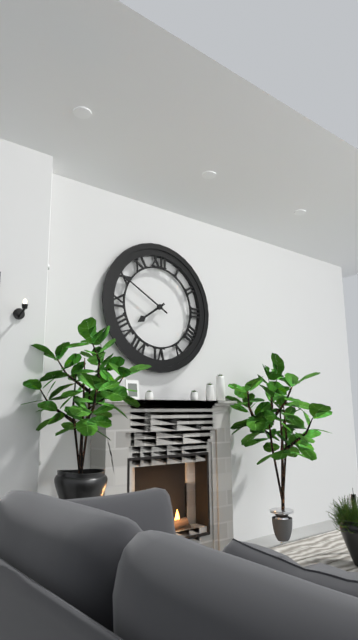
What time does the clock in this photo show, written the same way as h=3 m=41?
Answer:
h=7 m=50
